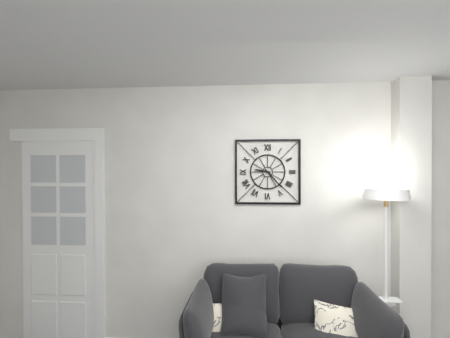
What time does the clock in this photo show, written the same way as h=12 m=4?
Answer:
h=9 m=23
